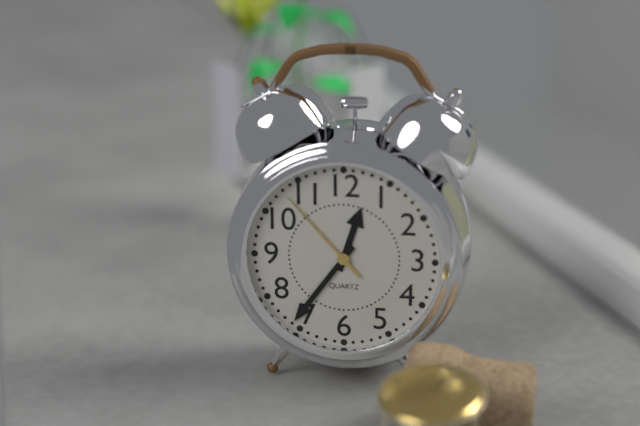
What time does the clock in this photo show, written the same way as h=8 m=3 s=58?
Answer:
h=12 m=36 s=53
